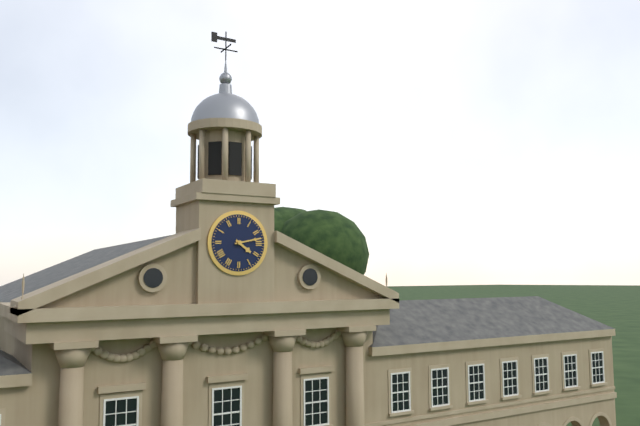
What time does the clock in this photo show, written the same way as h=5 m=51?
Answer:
h=4 m=13
